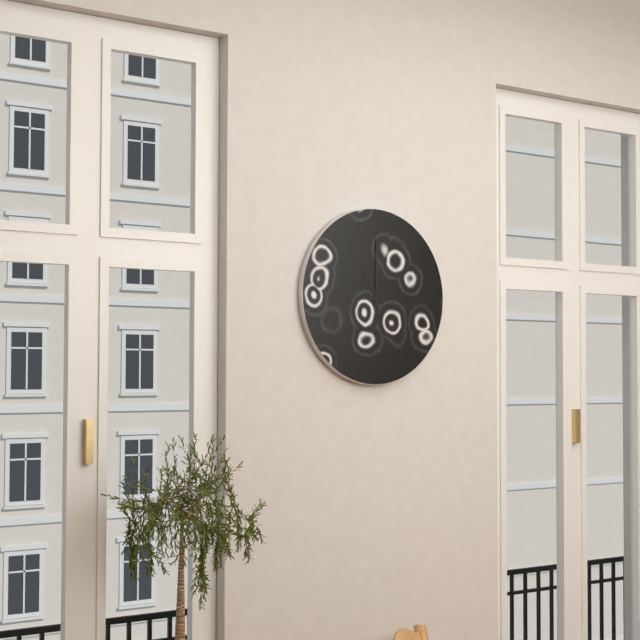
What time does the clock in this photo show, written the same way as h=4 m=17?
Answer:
h=11 m=0
